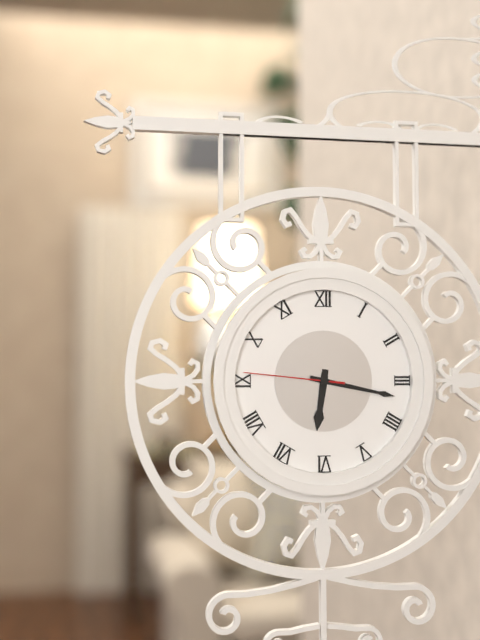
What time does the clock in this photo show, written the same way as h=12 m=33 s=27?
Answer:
h=6 m=17 s=46
